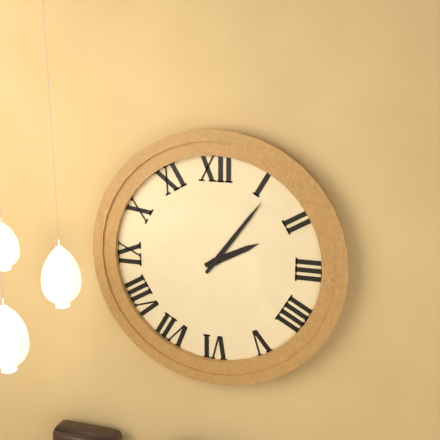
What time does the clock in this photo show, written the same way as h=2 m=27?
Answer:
h=2 m=6
